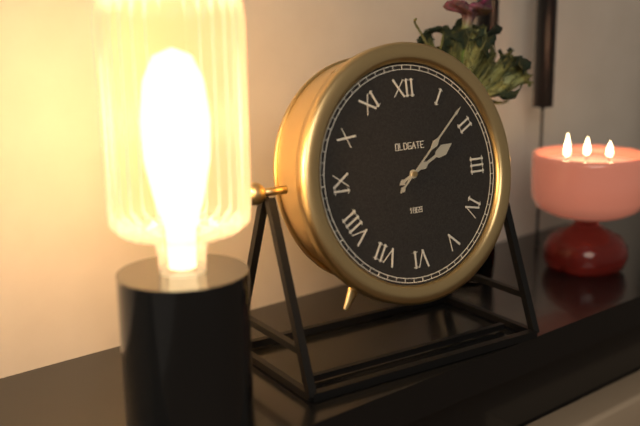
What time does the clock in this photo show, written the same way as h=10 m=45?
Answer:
h=2 m=8
